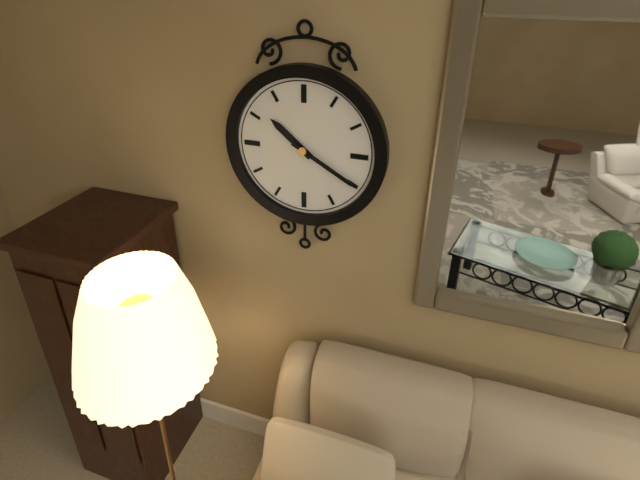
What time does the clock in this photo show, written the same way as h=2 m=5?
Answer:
h=10 m=20
